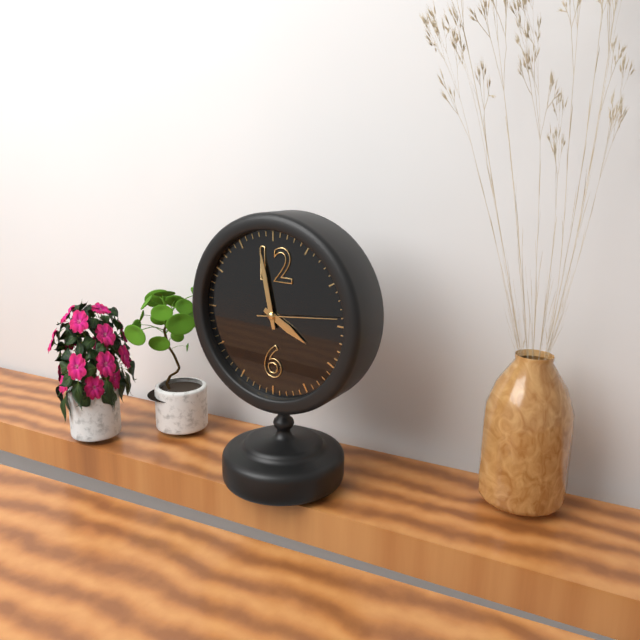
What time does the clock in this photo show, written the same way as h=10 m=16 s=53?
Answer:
h=3 m=58 s=14
